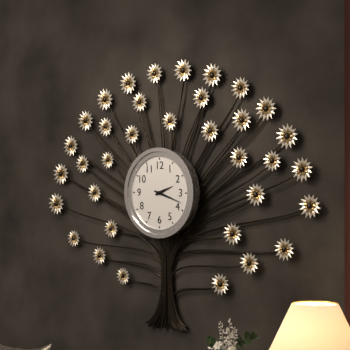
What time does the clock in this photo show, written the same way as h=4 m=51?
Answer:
h=2 m=18
